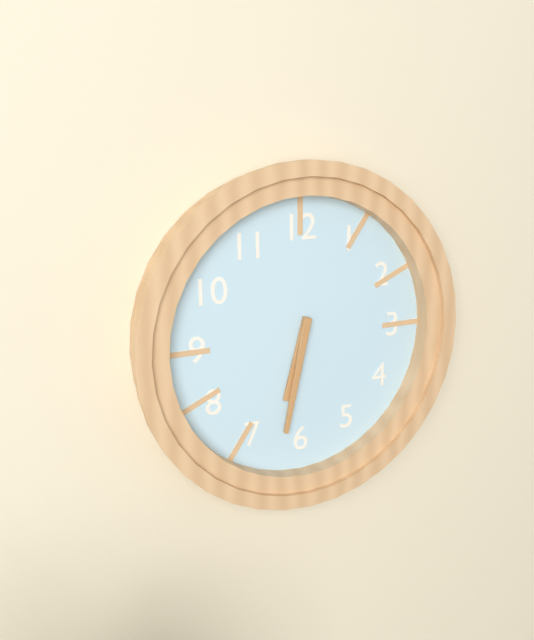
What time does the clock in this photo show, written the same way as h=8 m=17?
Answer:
h=6 m=32
